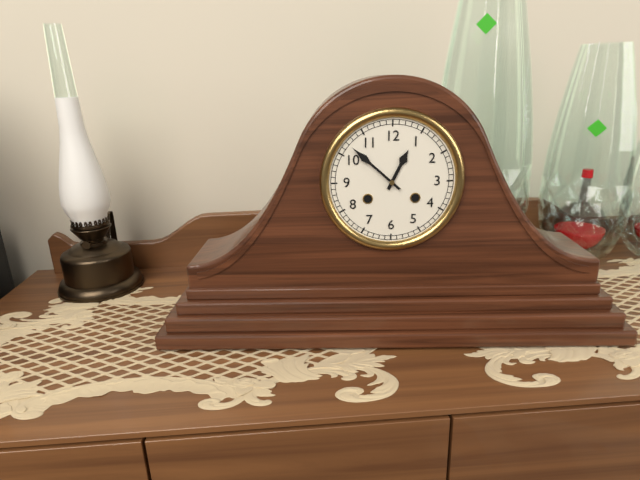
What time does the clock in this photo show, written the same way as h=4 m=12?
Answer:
h=12 m=52
